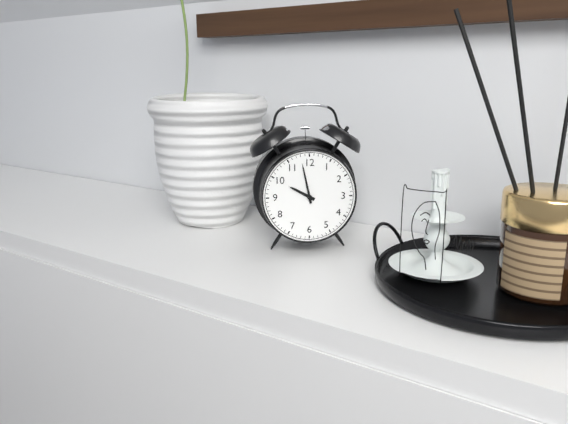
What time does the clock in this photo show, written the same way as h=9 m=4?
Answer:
h=9 m=58
